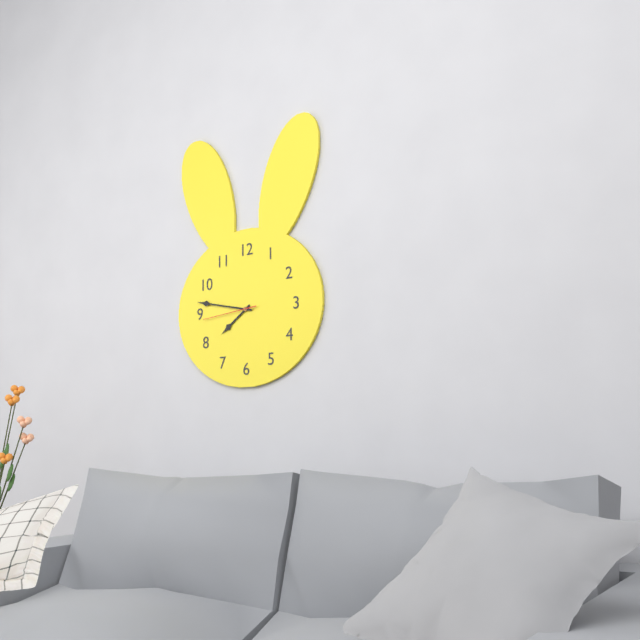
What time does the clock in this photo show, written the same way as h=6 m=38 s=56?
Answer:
h=7 m=47 s=44
